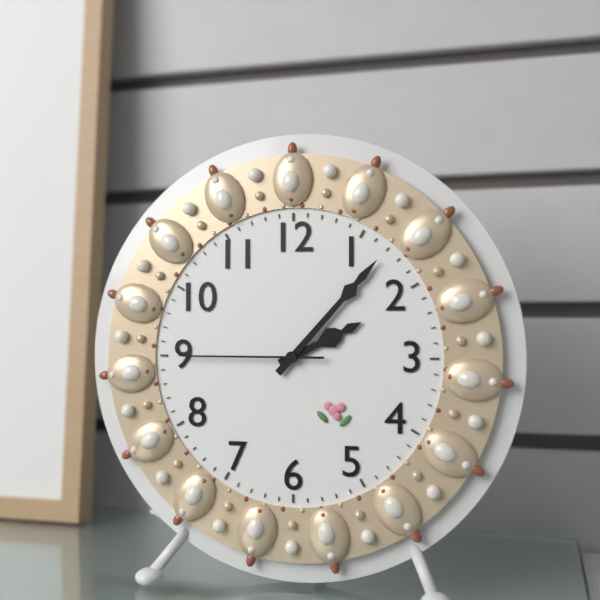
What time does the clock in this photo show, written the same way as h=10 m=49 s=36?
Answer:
h=2 m=7 s=45
